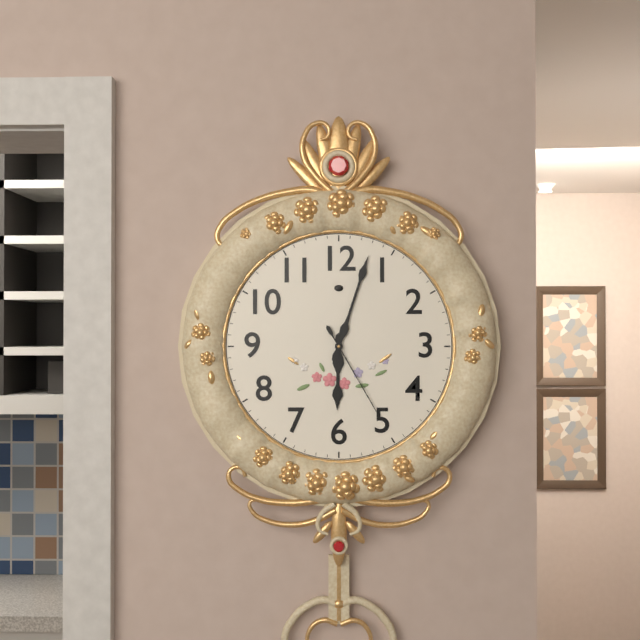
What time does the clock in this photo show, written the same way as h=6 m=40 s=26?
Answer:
h=6 m=3 s=25
